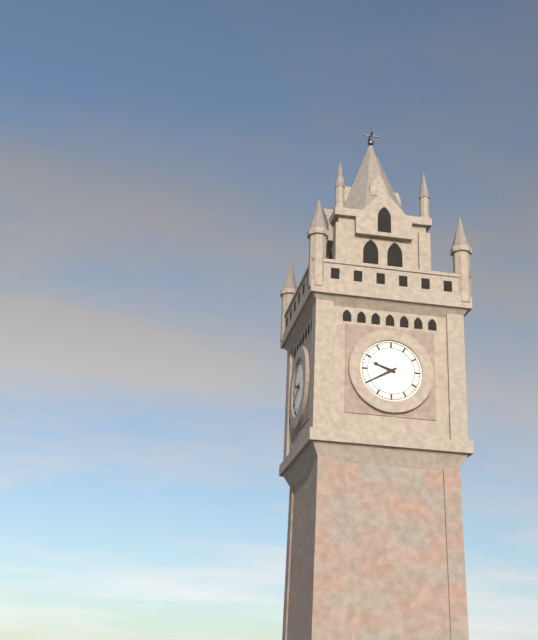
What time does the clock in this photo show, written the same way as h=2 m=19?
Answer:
h=9 m=40
